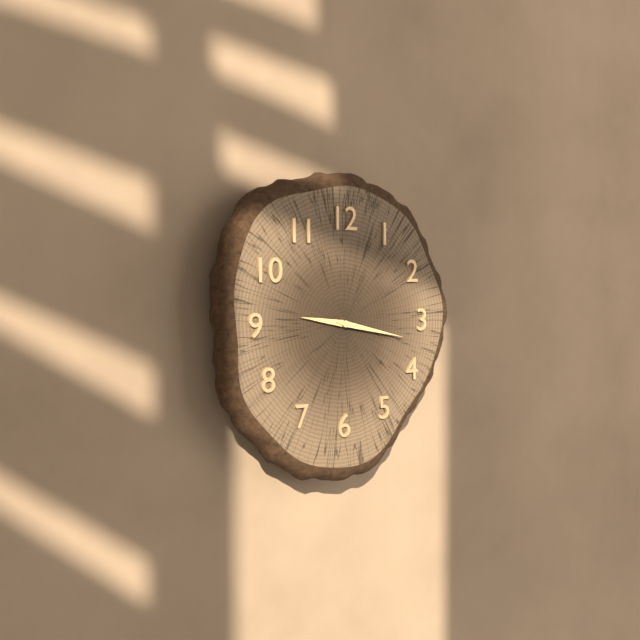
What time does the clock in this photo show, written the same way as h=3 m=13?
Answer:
h=9 m=17
